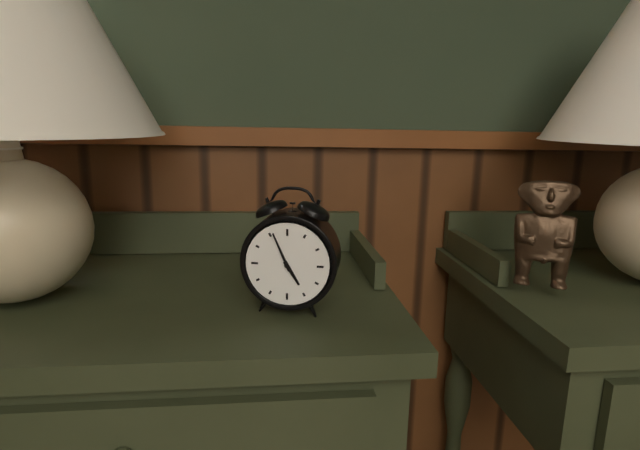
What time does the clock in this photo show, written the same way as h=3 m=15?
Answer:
h=4 m=56
